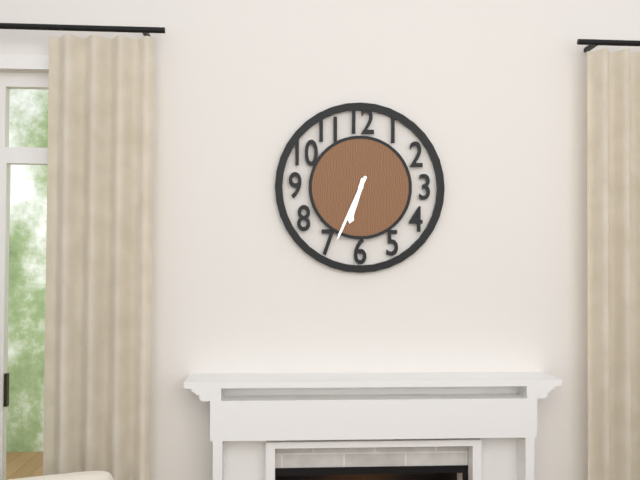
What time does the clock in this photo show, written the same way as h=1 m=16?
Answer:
h=6 m=34
